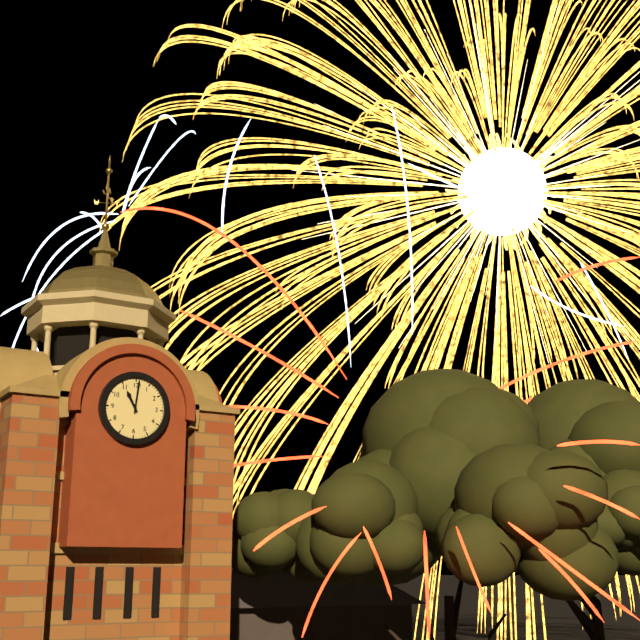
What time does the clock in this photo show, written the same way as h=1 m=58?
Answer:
h=11 m=1
